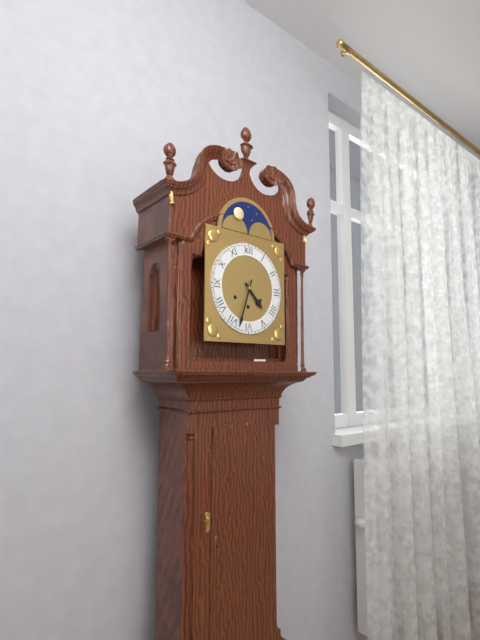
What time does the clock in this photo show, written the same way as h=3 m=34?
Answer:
h=4 m=33
